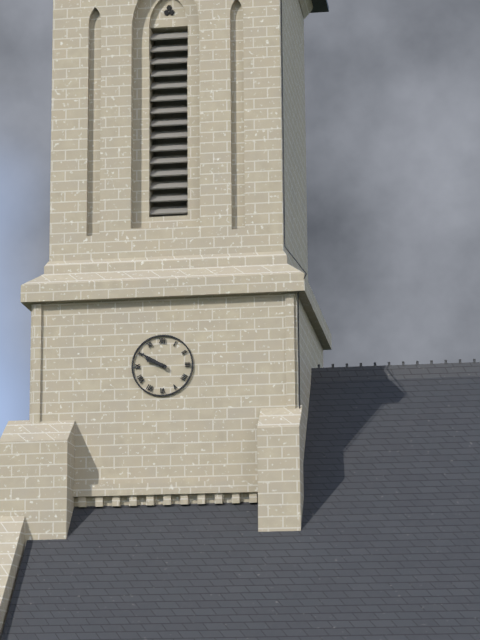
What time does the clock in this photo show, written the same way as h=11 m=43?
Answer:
h=9 m=50
